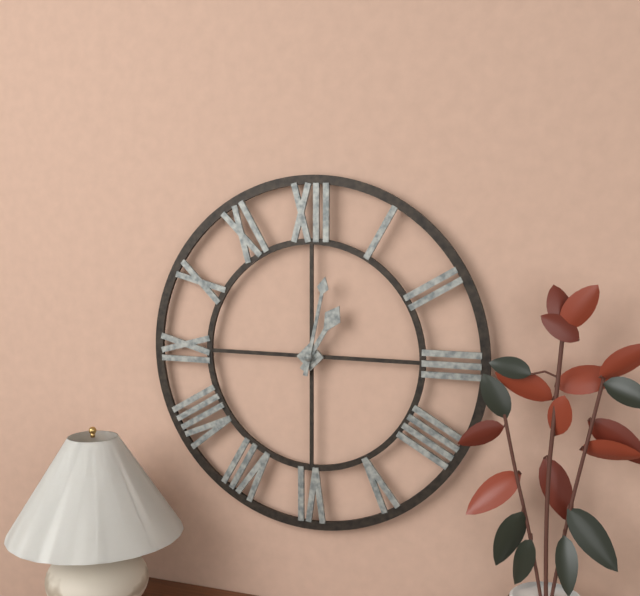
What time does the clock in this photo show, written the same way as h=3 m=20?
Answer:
h=1 m=2
